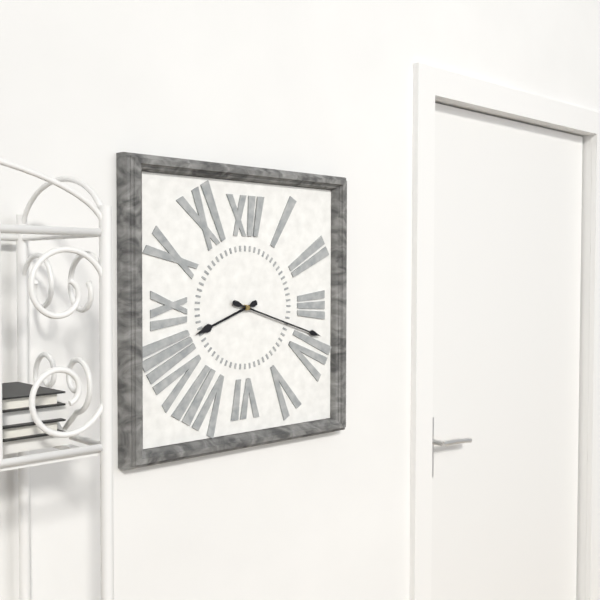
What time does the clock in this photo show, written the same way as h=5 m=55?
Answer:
h=8 m=18
